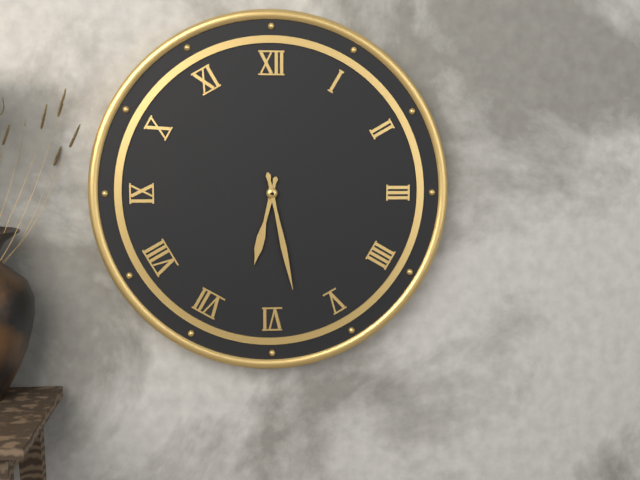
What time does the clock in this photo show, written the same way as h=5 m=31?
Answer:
h=6 m=28
